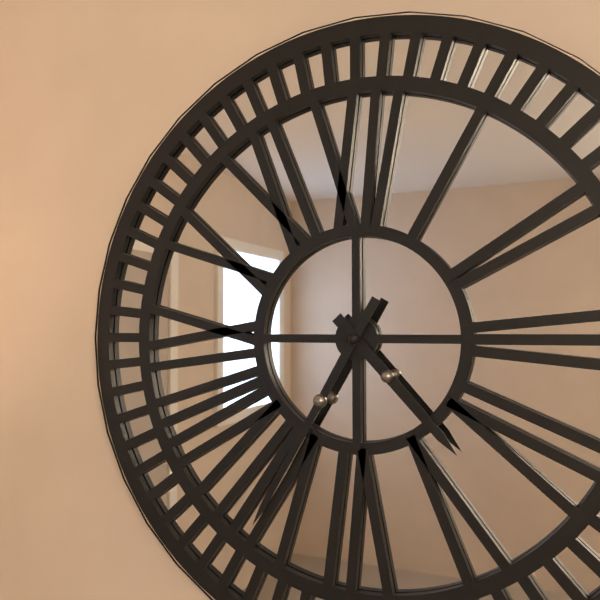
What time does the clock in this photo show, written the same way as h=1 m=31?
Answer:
h=4 m=35
